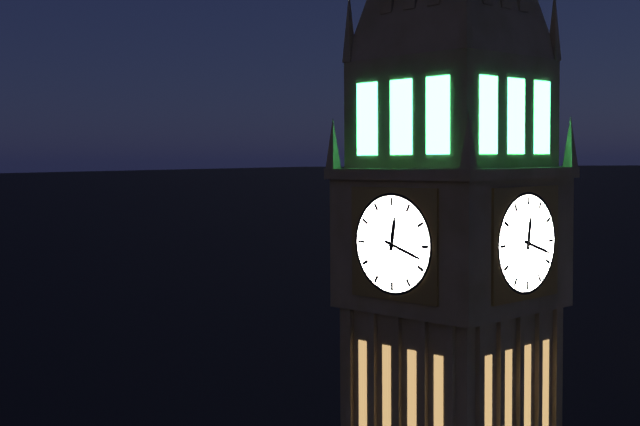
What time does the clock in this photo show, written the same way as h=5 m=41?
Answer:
h=12 m=18
